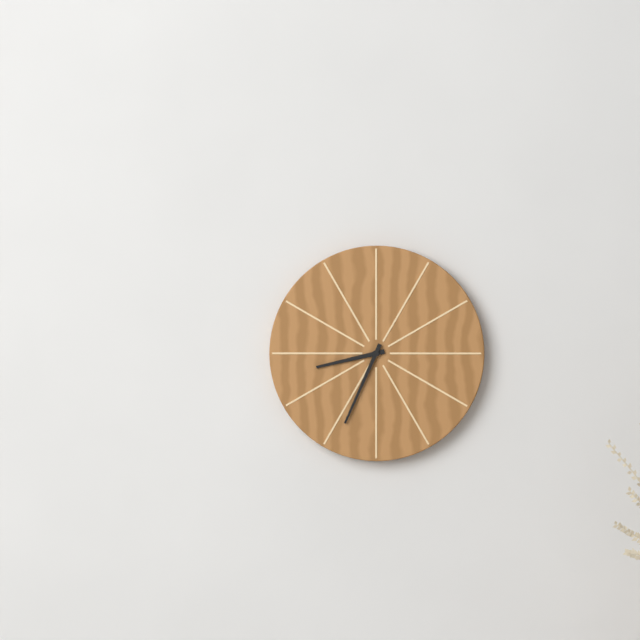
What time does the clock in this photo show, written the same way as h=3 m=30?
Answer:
h=8 m=34
